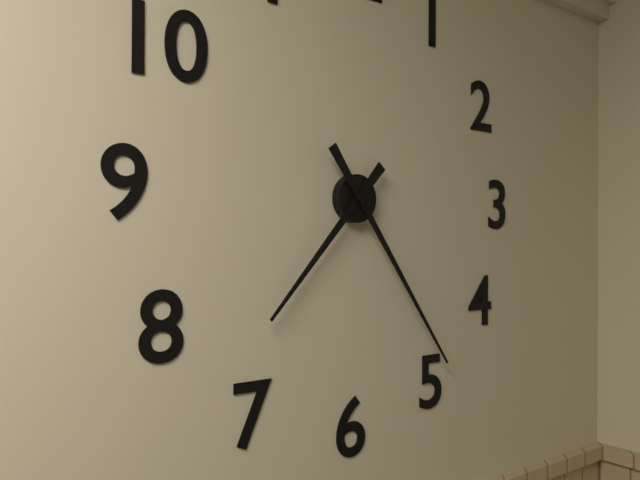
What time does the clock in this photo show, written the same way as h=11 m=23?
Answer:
h=7 m=24
